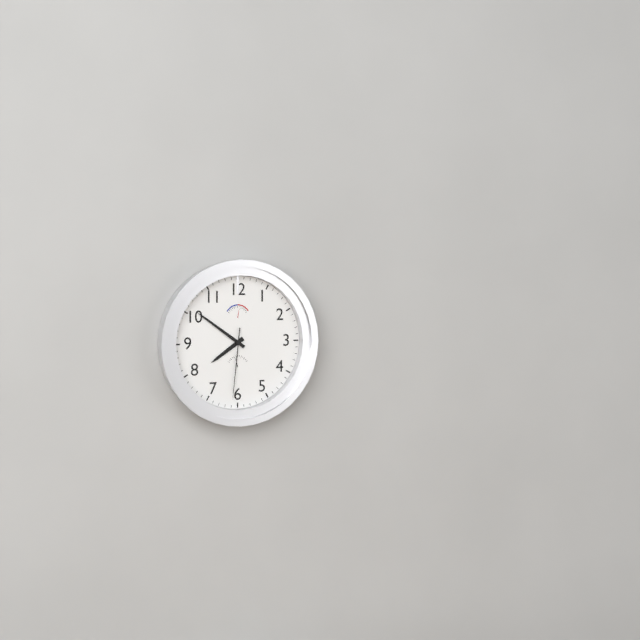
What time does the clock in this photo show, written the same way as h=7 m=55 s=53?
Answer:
h=7 m=51 s=31
